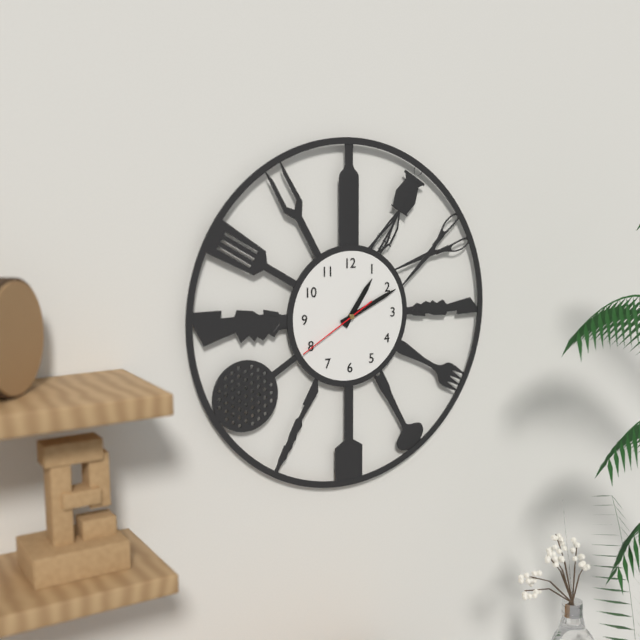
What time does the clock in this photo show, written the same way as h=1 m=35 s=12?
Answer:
h=1 m=11 s=40
